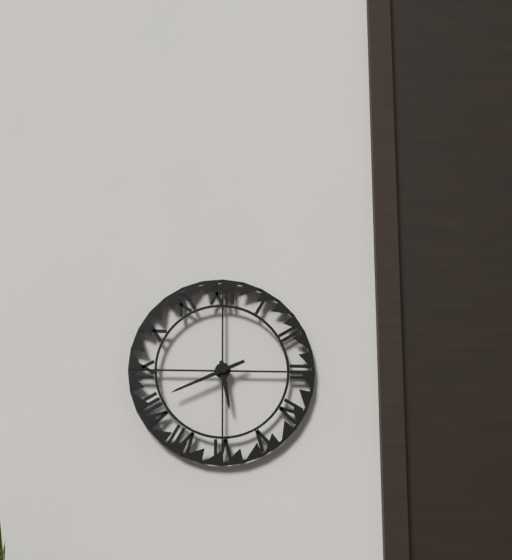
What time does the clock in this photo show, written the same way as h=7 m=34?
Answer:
h=5 m=41
